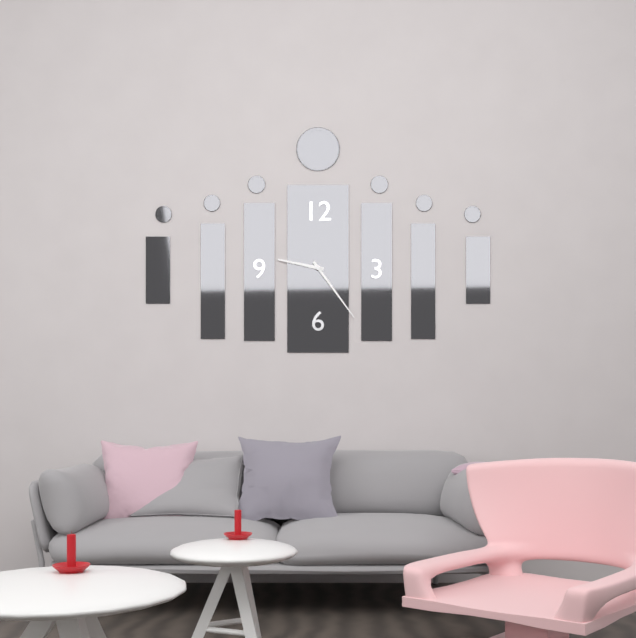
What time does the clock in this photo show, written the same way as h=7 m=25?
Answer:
h=9 m=24
